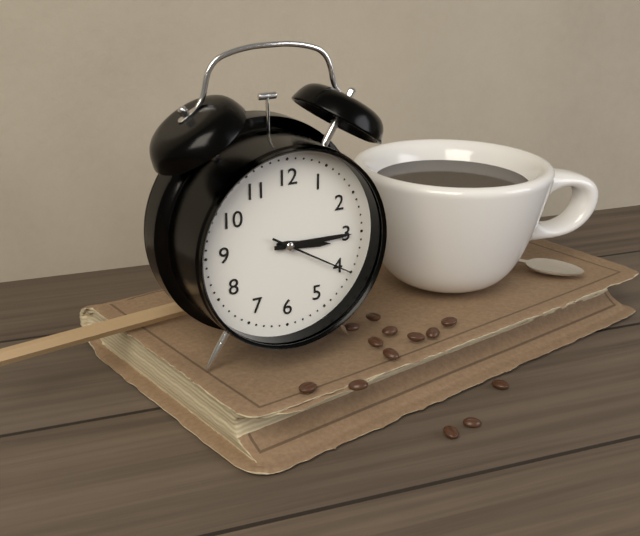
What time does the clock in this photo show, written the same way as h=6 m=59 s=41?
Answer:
h=3 m=15 s=20
